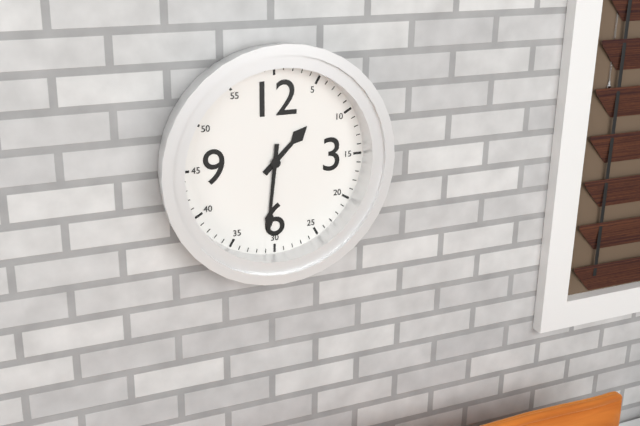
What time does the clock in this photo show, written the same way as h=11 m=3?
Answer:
h=1 m=31
